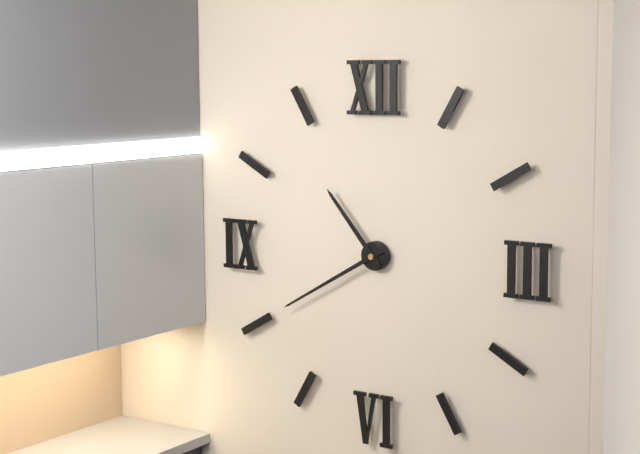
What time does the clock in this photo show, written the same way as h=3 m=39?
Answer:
h=10 m=40
